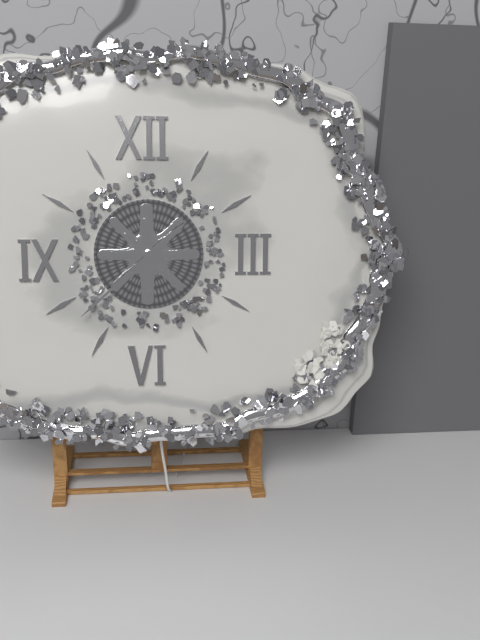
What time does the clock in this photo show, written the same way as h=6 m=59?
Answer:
h=1 m=38
